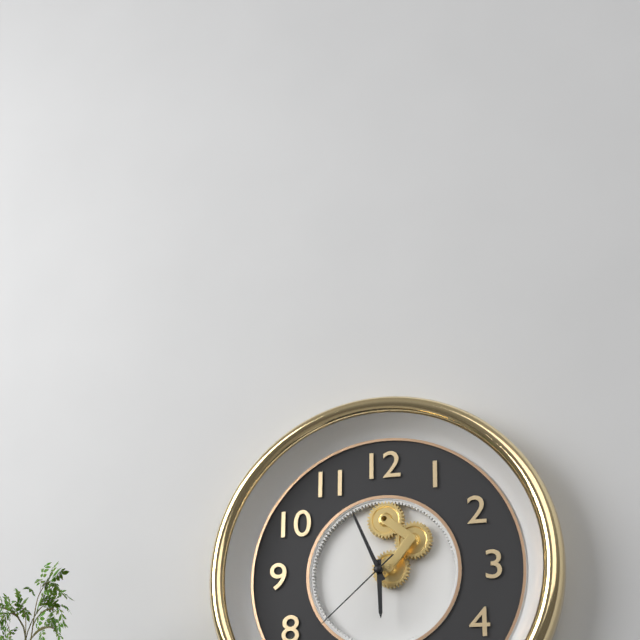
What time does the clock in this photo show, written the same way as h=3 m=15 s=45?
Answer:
h=5 m=56 s=38
